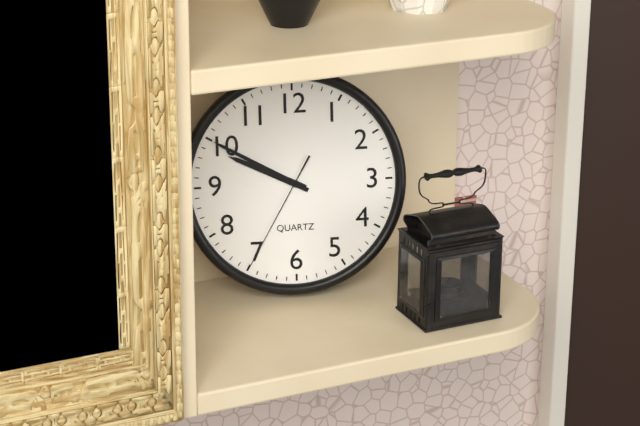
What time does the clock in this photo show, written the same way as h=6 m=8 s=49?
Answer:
h=9 m=50 s=35
